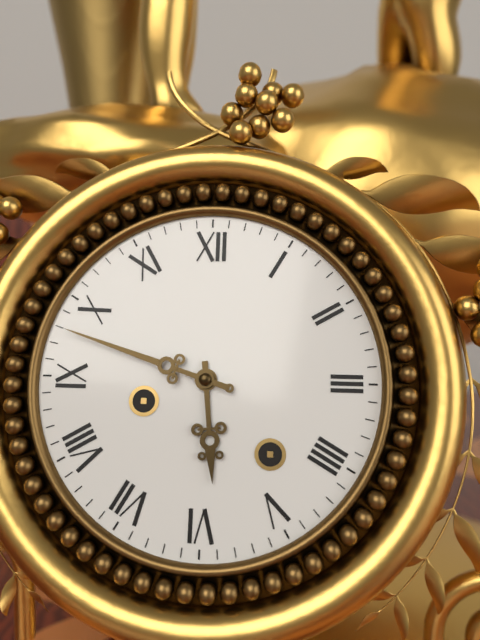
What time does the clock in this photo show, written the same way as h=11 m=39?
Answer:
h=5 m=48
